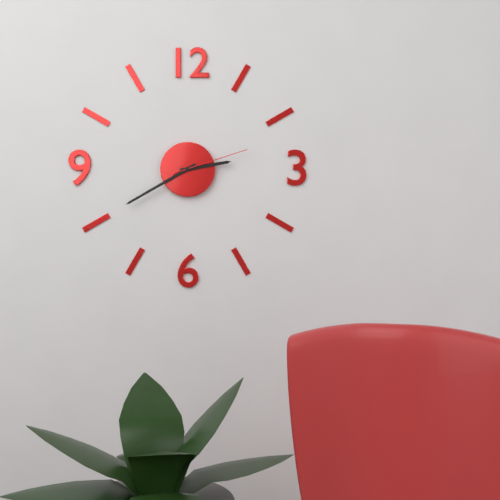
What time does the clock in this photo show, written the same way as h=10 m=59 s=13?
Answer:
h=2 m=40 s=12
